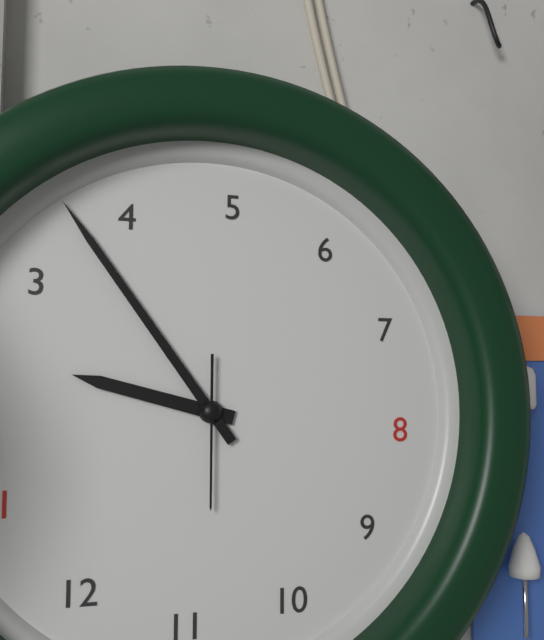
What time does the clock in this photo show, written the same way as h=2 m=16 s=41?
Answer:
h=2 m=18 s=54
